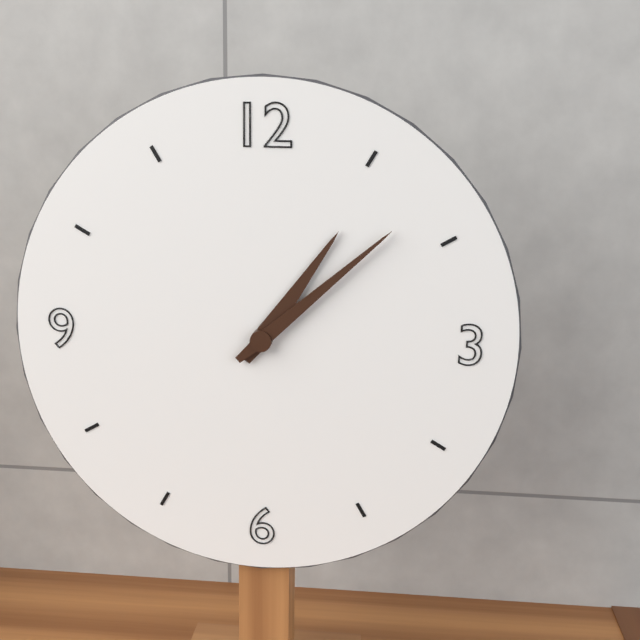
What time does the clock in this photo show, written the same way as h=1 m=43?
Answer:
h=1 m=8
